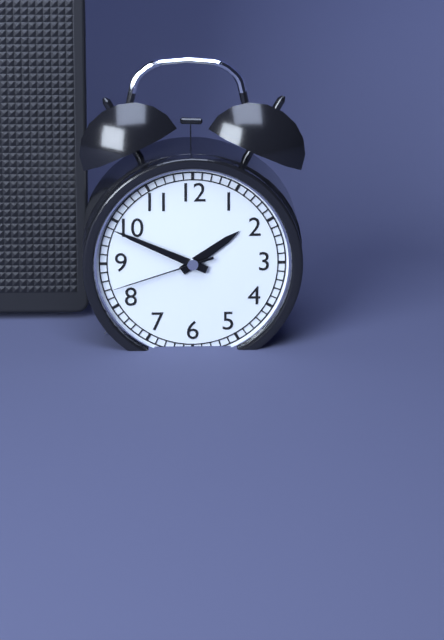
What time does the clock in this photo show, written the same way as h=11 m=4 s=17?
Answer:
h=1 m=49 s=42
